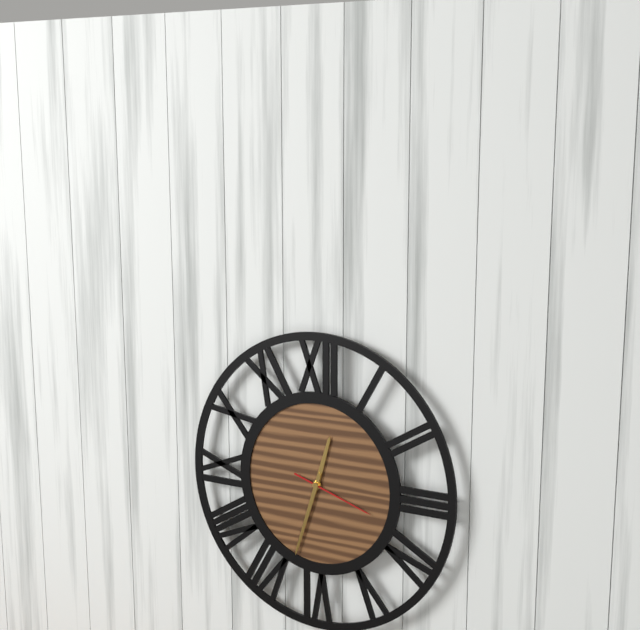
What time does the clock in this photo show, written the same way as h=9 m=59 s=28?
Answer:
h=12 m=33 s=18
